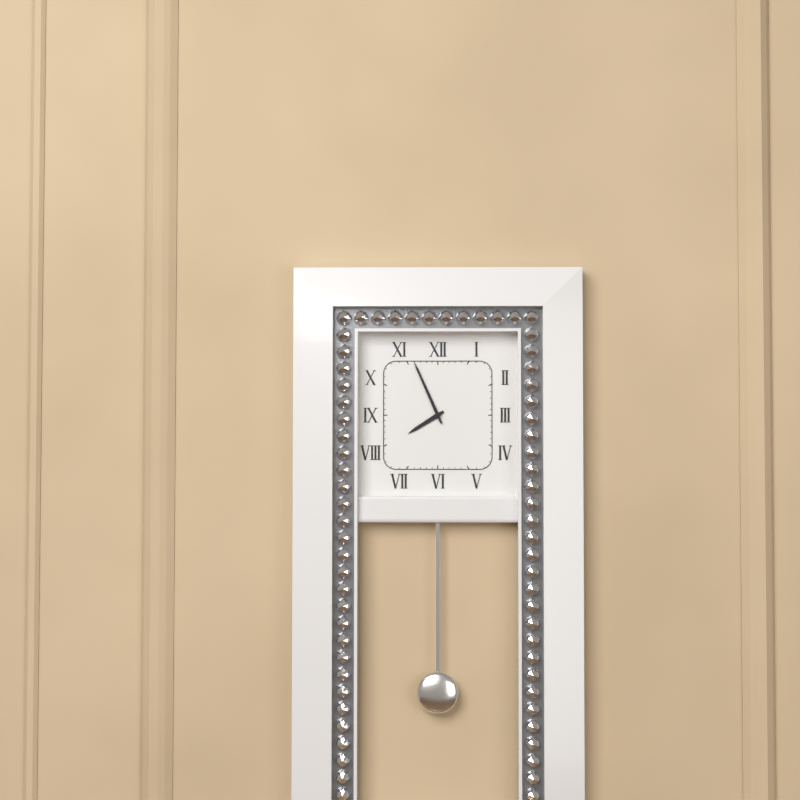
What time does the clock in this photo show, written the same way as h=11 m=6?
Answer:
h=7 m=56
